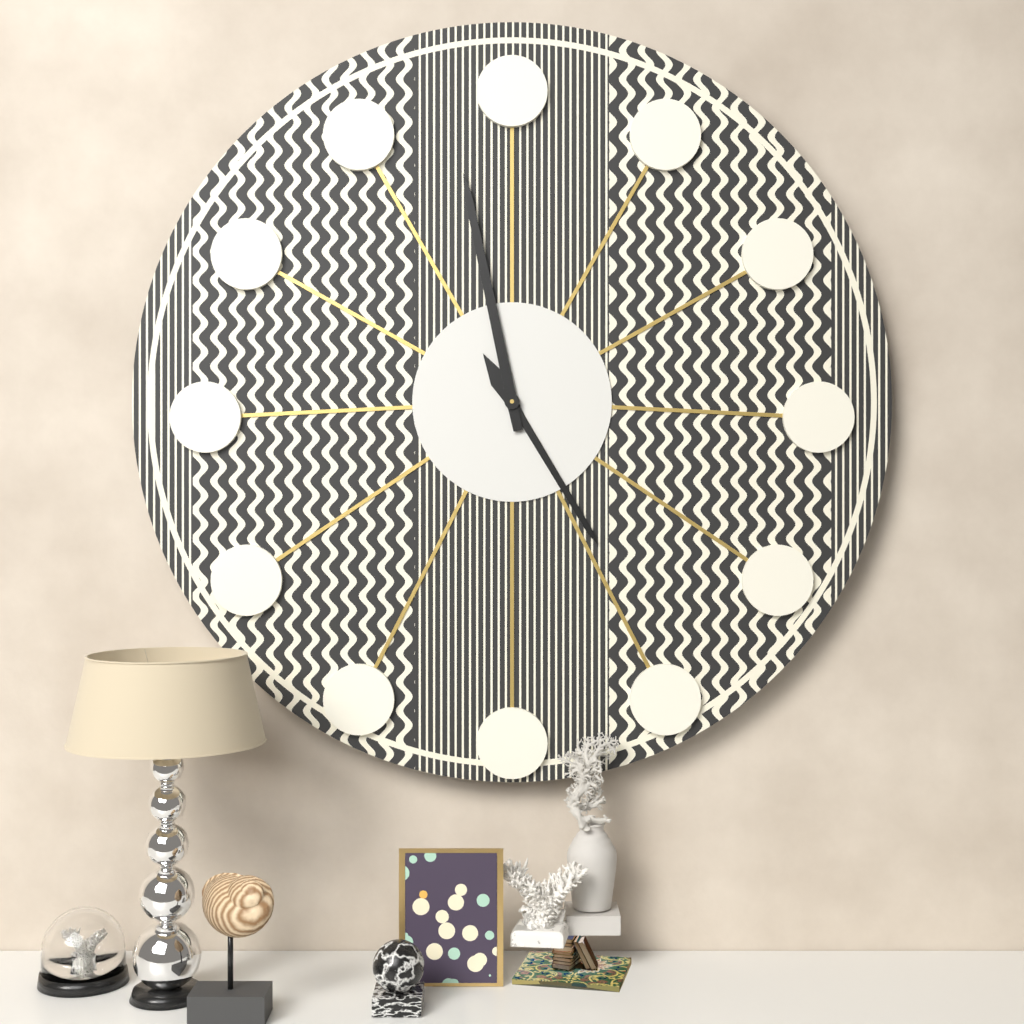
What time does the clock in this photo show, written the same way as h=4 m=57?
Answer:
h=4 m=58
